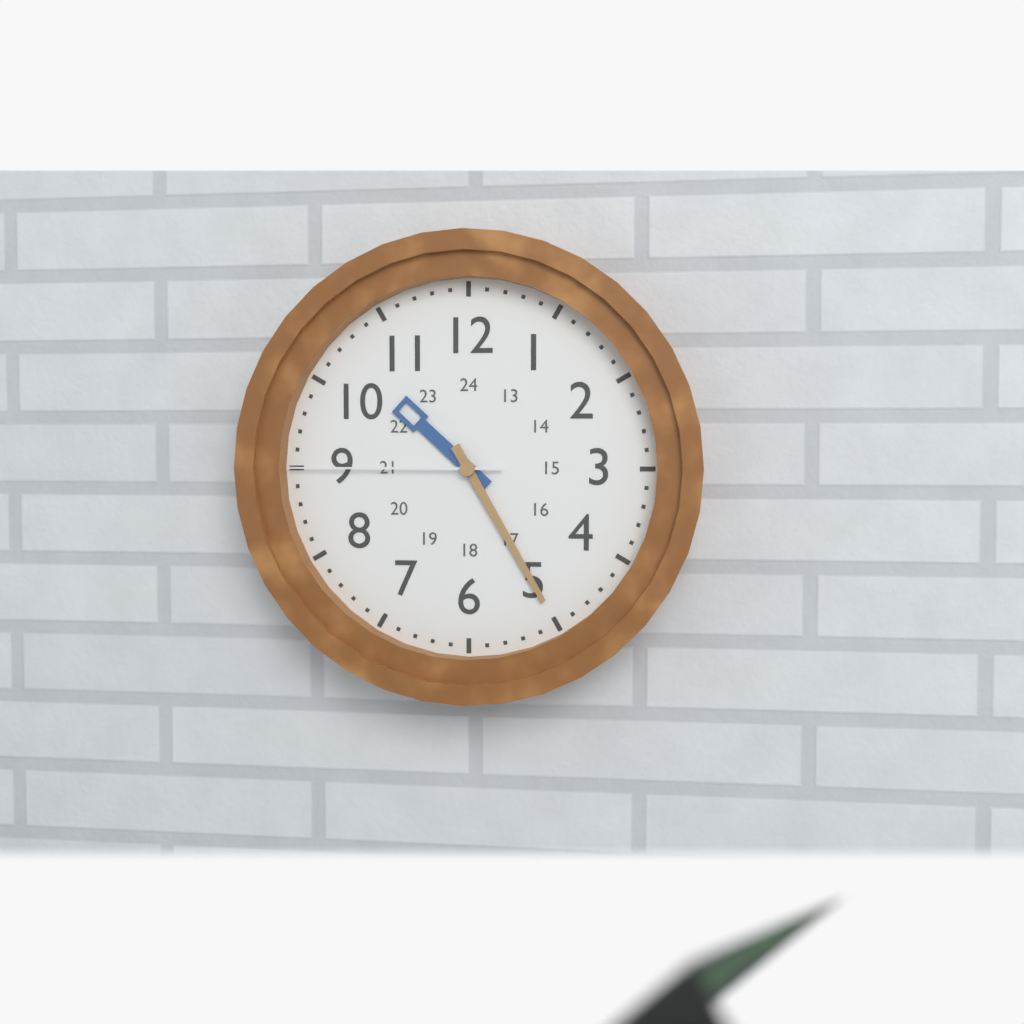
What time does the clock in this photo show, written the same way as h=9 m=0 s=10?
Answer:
h=10 m=25 s=45
